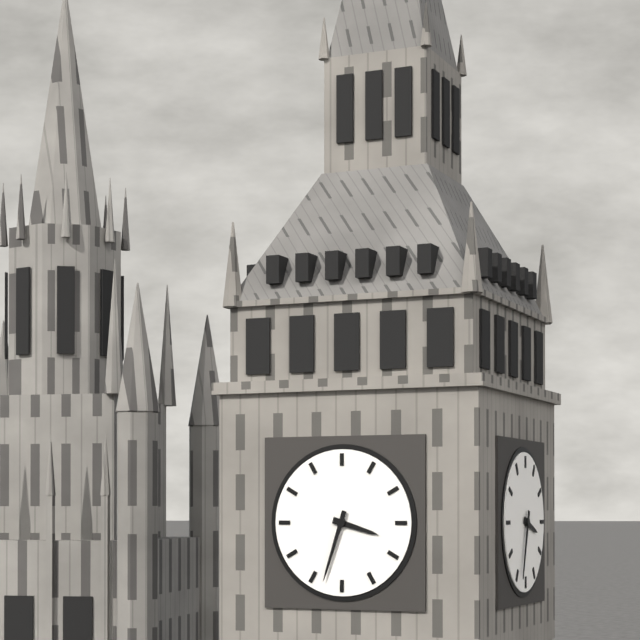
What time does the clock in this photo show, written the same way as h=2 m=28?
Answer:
h=3 m=33
